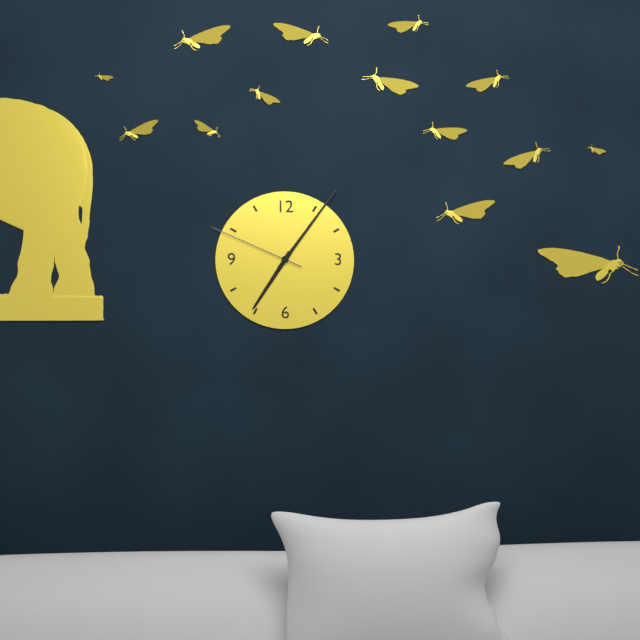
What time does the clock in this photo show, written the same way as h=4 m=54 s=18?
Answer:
h=7 m=6 s=49
